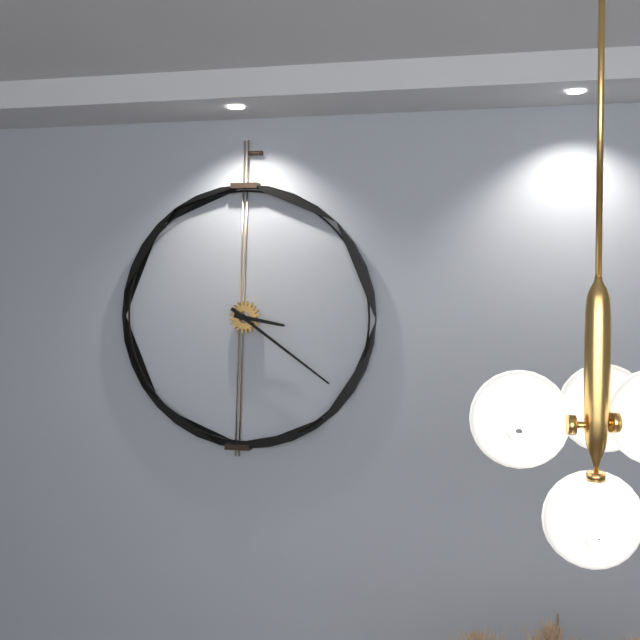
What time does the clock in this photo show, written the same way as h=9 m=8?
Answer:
h=3 m=21
